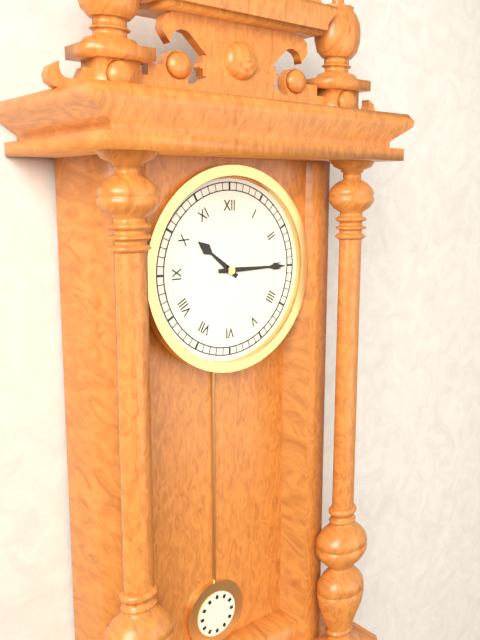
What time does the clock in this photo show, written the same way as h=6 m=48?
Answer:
h=10 m=15
